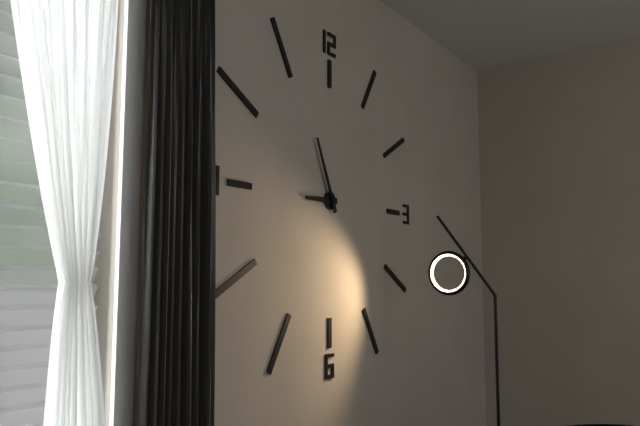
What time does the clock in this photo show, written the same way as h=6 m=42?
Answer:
h=8 m=56
